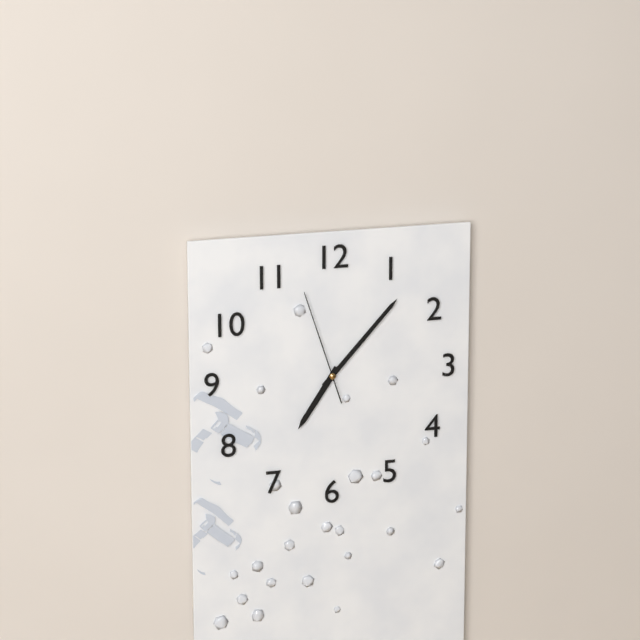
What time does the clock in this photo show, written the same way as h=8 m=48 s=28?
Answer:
h=7 m=7 s=57
